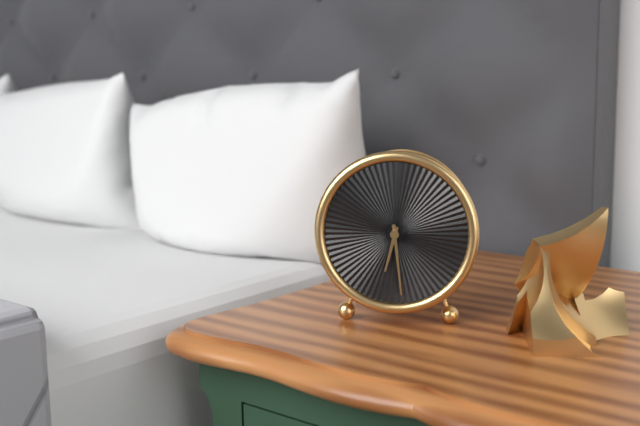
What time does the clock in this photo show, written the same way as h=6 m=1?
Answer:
h=6 m=29
